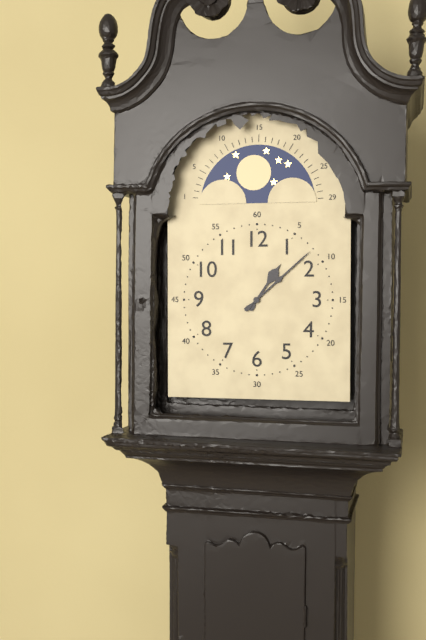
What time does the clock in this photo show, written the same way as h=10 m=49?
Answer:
h=1 m=8
